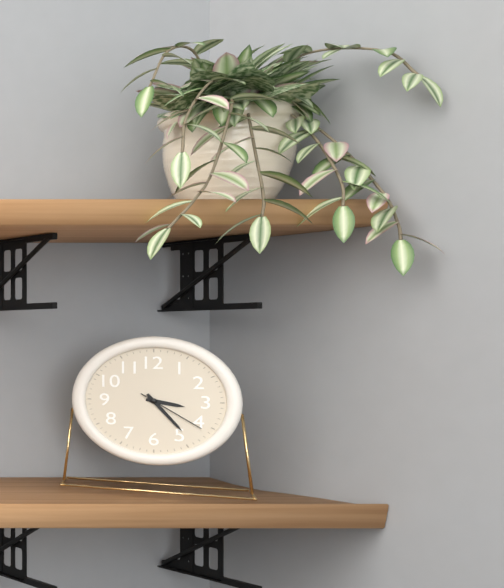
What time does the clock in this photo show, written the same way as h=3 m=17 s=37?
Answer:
h=3 m=24 s=21
